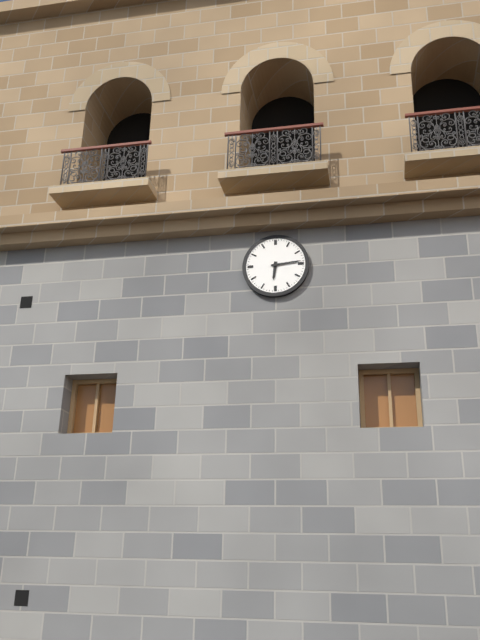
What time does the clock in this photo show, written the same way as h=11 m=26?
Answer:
h=6 m=14
